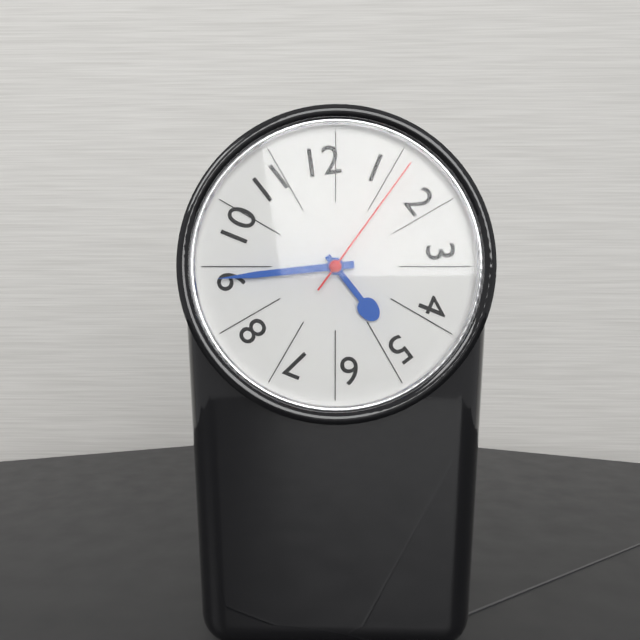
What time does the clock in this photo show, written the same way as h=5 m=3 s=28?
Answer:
h=4 m=44 s=6
